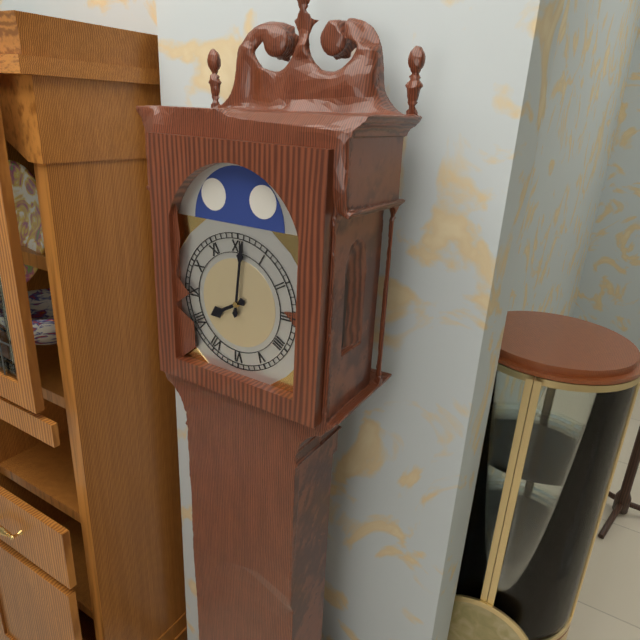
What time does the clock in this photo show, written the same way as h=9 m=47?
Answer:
h=8 m=1
